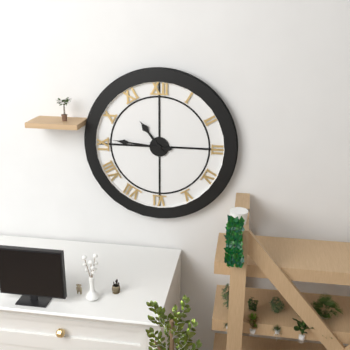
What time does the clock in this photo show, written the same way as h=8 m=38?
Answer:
h=10 m=46
